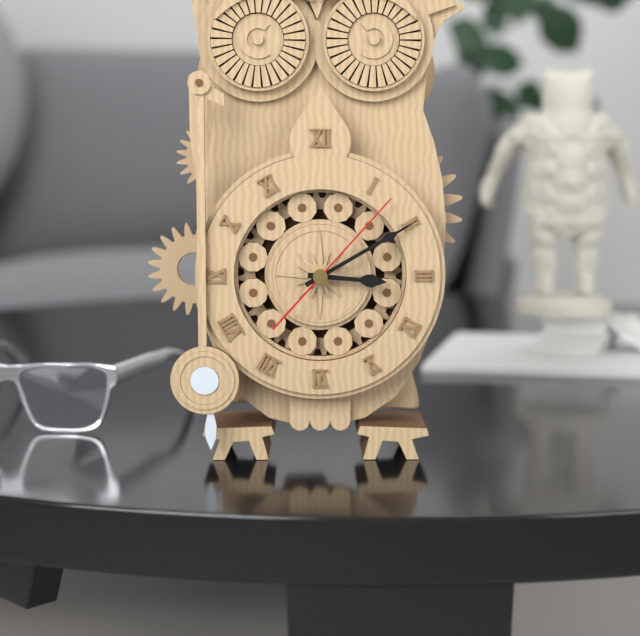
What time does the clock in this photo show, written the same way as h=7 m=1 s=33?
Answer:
h=3 m=10 s=7
